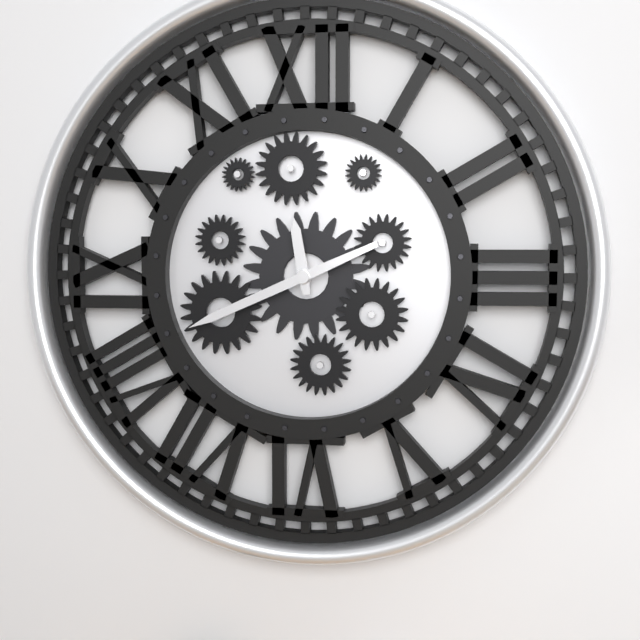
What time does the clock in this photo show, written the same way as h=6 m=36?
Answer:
h=11 m=41
